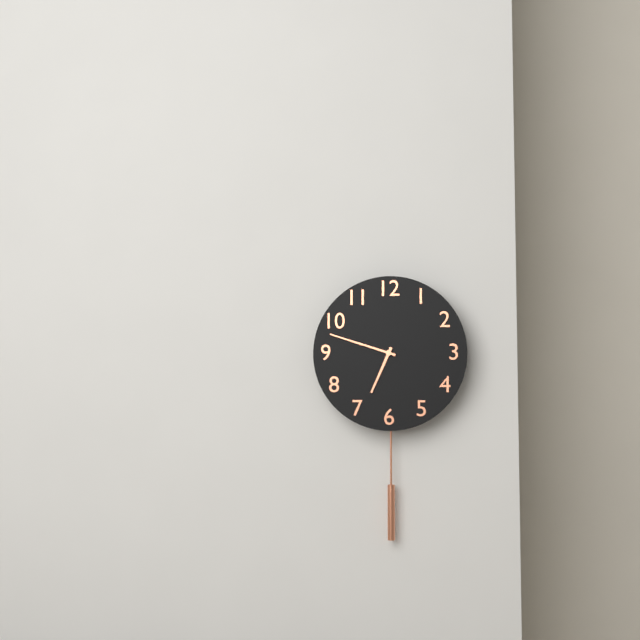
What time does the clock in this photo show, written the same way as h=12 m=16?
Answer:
h=6 m=48
